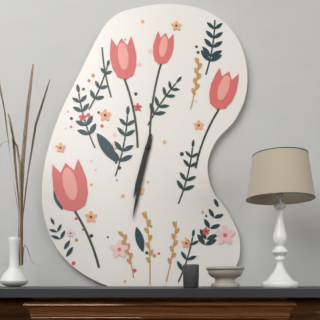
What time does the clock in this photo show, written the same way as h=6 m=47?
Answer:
h=6 m=32
